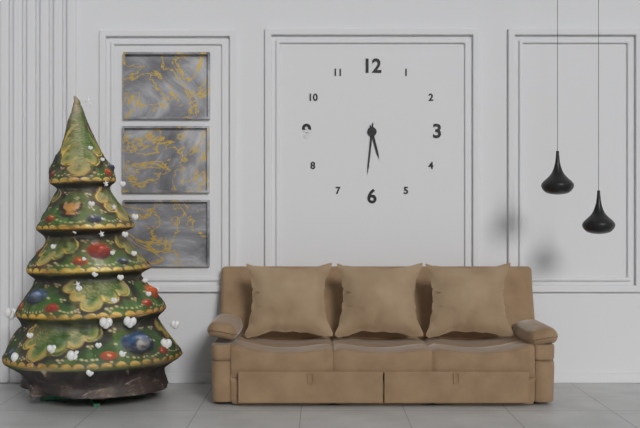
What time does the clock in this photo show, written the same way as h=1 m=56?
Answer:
h=5 m=31
